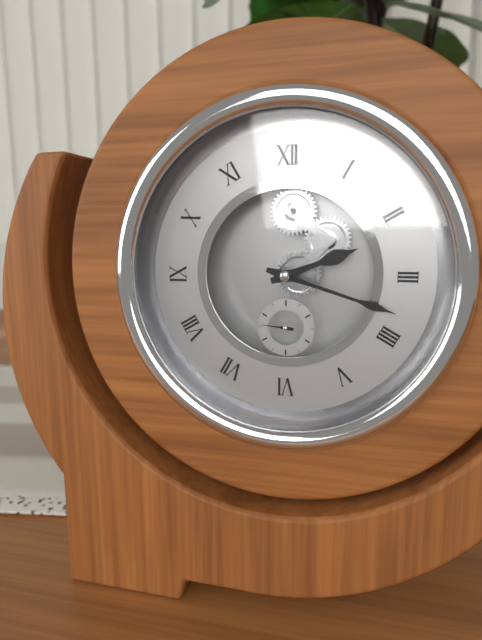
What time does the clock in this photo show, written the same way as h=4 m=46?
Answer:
h=2 m=18
